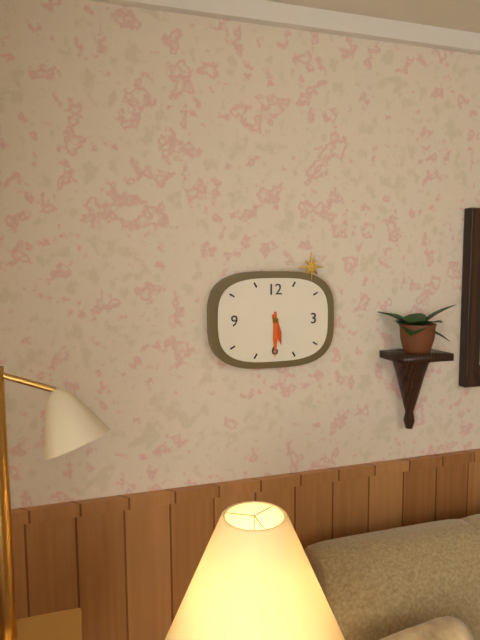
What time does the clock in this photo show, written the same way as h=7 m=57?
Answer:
h=5 m=30
